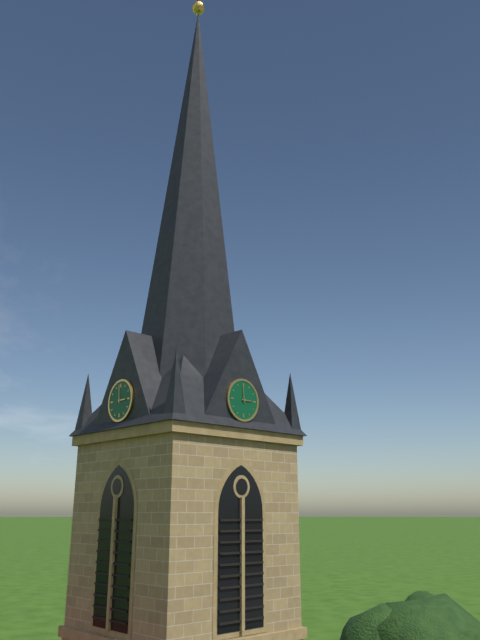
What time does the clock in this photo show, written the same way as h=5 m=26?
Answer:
h=2 m=59
